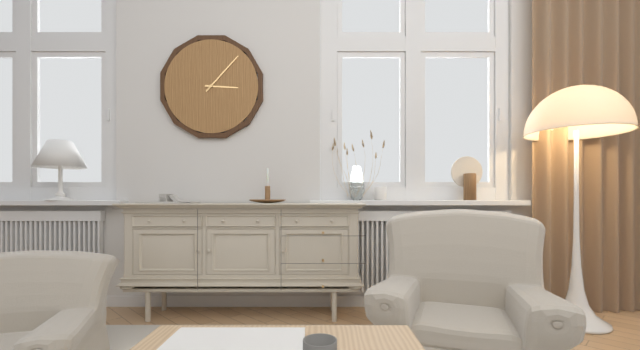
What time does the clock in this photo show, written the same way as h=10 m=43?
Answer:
h=3 m=7
